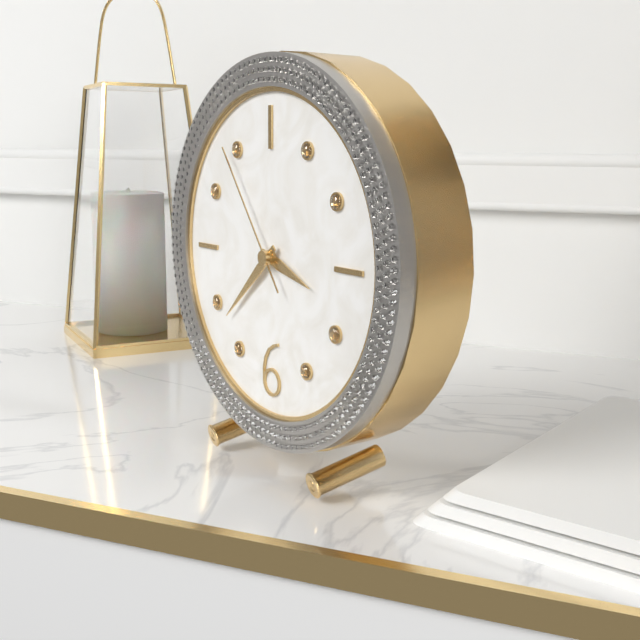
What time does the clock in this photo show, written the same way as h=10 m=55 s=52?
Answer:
h=3 m=38 s=54
